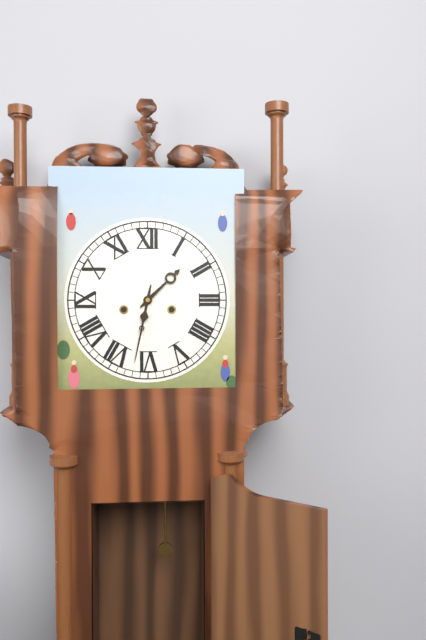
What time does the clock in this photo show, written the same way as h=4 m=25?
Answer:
h=1 m=32
